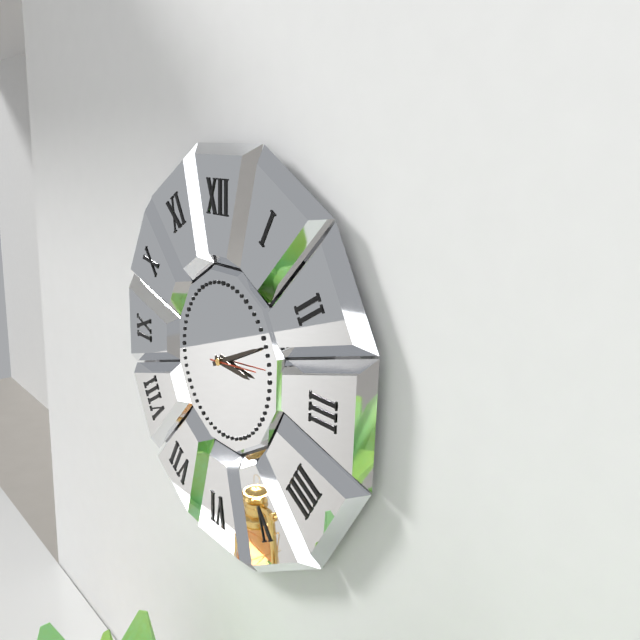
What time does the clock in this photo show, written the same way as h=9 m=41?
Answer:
h=3 m=11
